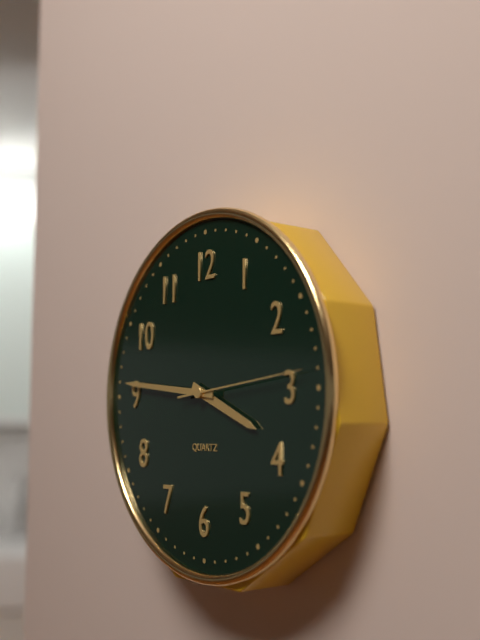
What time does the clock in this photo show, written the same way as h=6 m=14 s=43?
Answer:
h=3 m=46 s=14
